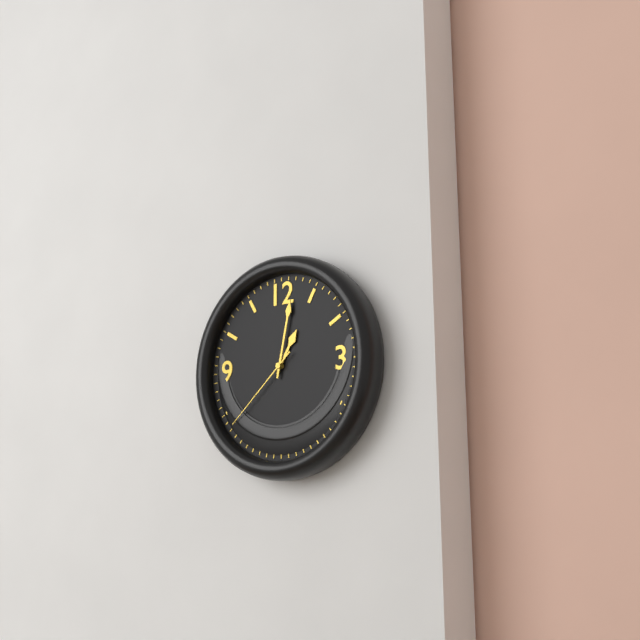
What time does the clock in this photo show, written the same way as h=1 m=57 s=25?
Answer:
h=1 m=2 s=38
